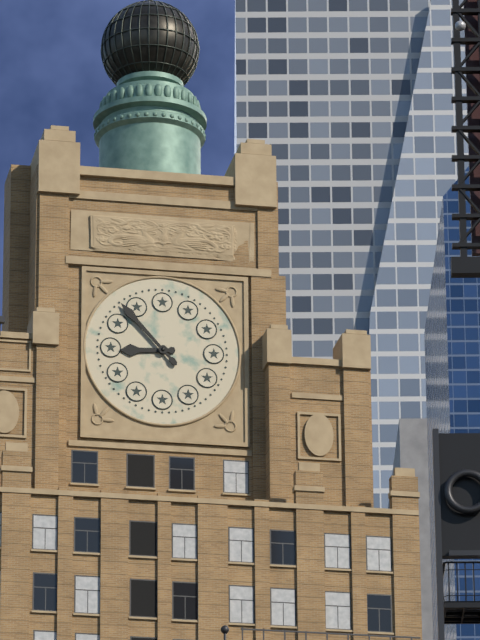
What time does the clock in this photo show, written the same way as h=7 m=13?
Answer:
h=8 m=53
